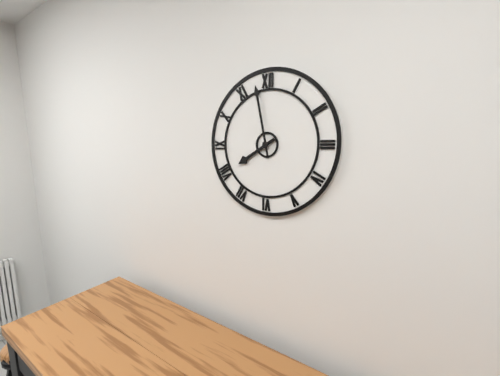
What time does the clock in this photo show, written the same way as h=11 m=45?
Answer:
h=7 m=58
